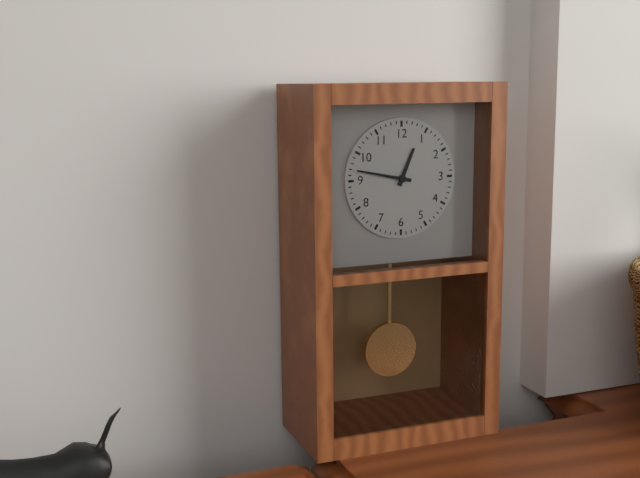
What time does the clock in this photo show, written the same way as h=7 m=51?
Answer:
h=12 m=47
